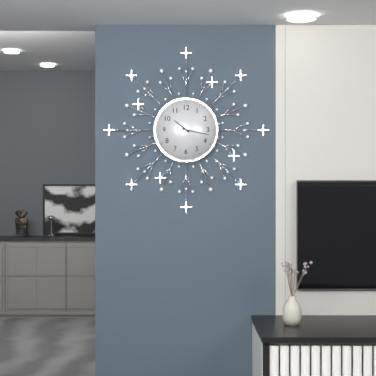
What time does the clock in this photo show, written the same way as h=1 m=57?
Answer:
h=10 m=17
